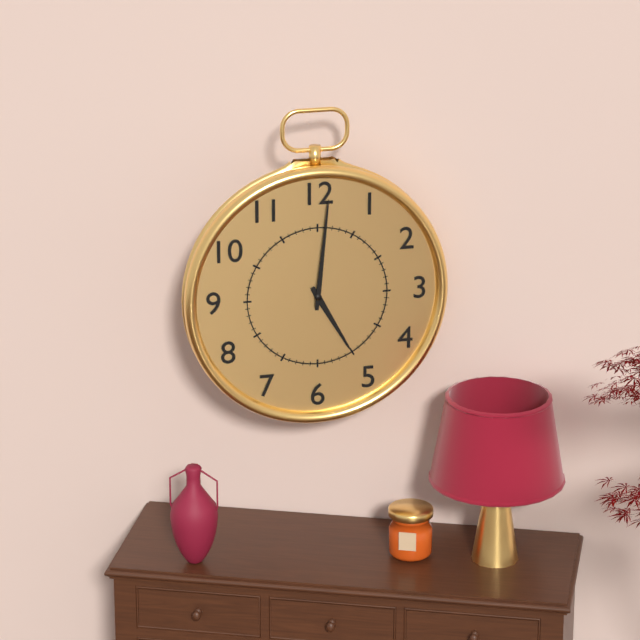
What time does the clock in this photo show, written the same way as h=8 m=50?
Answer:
h=5 m=1
